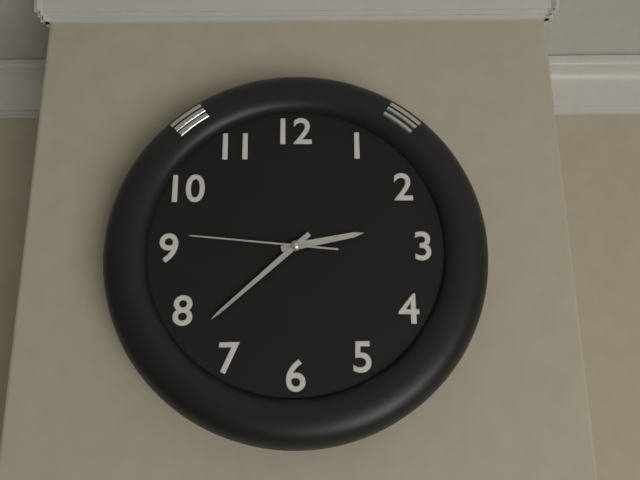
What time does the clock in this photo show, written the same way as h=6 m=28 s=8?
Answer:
h=2 m=38 s=46
